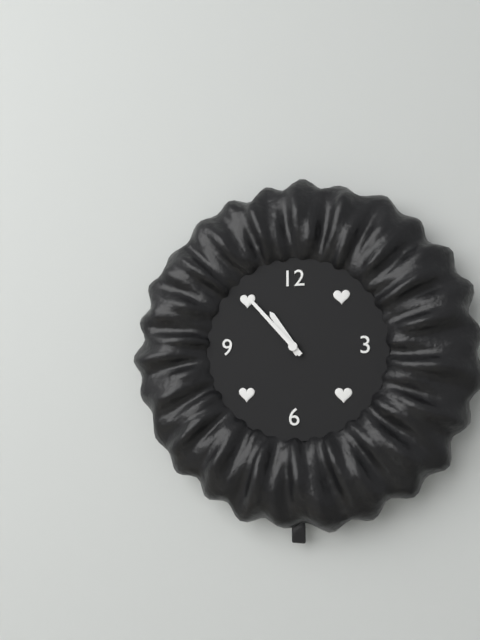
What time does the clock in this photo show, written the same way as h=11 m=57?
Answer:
h=10 m=53
